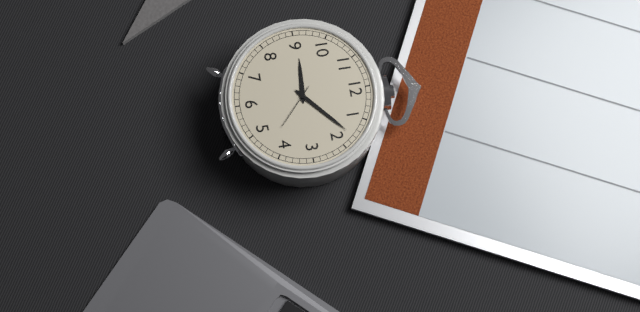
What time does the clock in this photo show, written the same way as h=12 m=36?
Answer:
h=9 m=8
